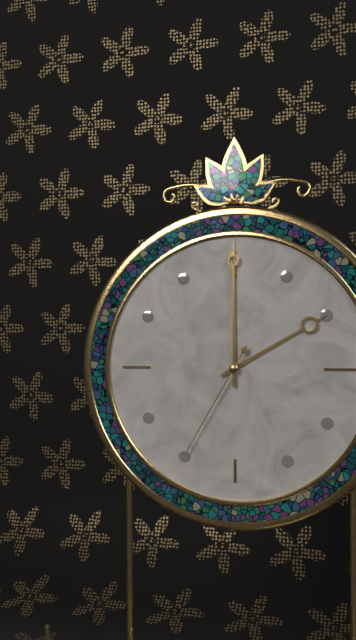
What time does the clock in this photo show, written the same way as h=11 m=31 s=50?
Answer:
h=2 m=0 s=35
